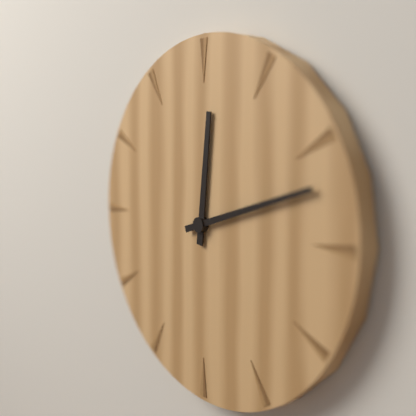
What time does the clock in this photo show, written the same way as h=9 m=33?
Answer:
h=12 m=12
